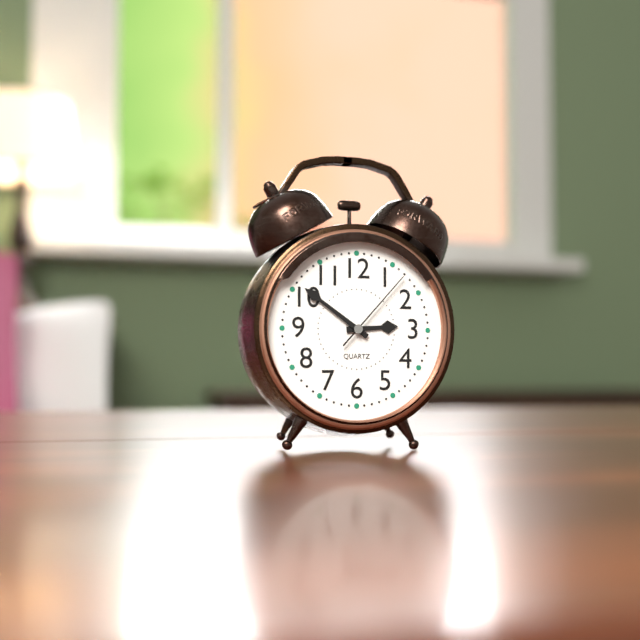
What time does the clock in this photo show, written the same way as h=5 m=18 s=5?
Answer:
h=2 m=51 s=7
